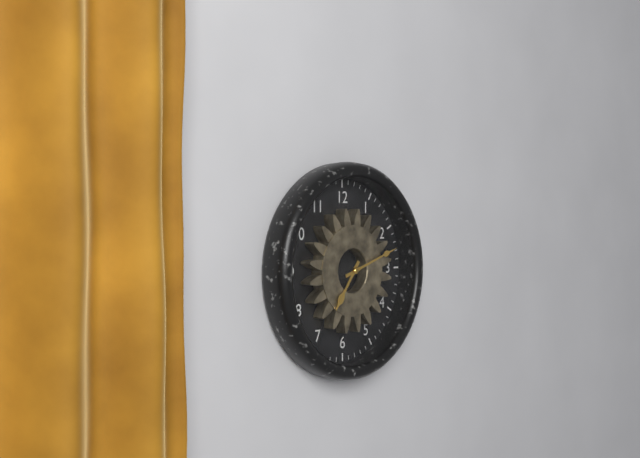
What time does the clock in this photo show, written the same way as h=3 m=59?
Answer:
h=7 m=12
